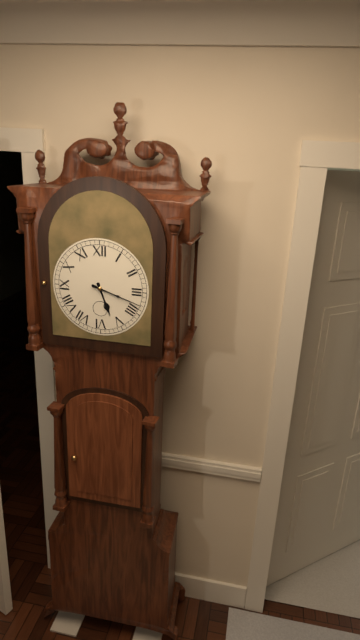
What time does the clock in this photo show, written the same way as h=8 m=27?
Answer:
h=5 m=18
